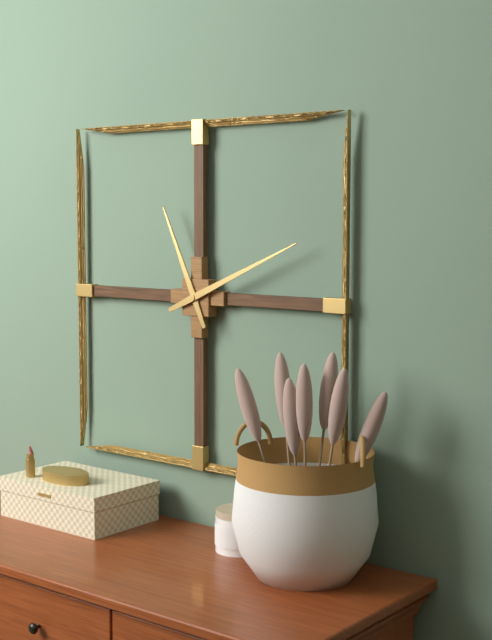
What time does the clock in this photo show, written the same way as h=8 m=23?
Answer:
h=11 m=11
